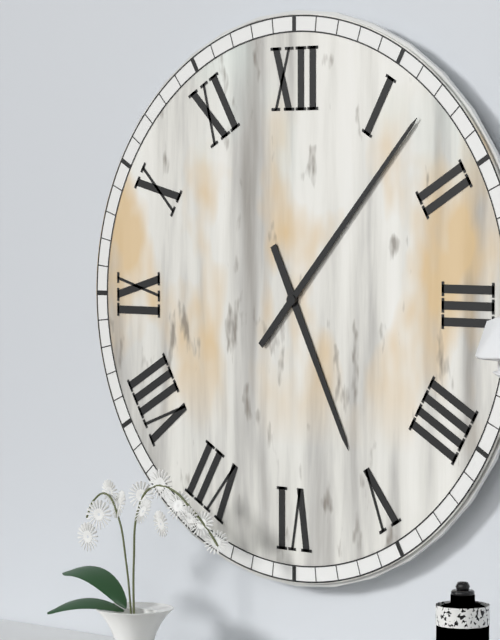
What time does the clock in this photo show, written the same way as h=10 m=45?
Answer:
h=5 m=7
